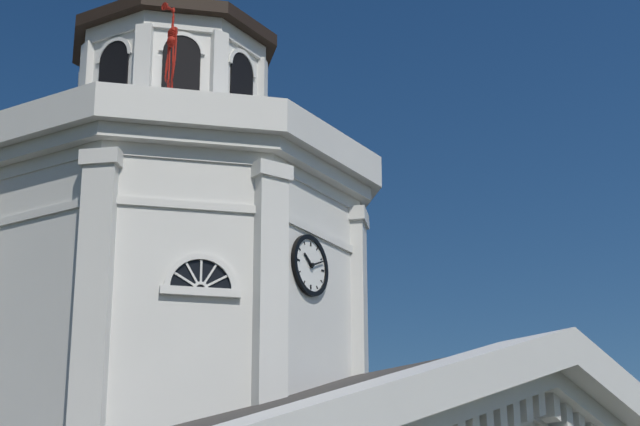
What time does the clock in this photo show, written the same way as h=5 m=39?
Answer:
h=10 m=11
